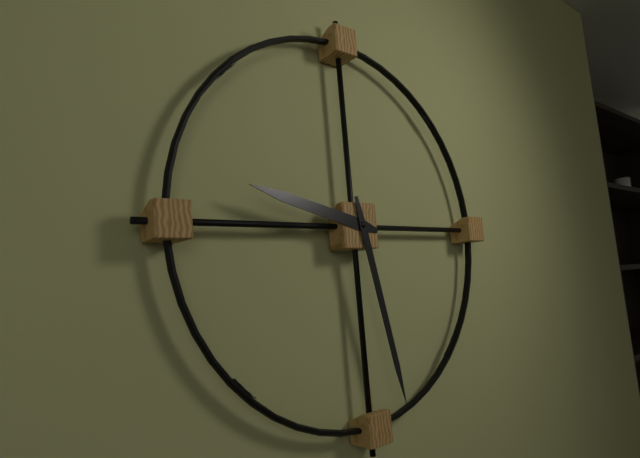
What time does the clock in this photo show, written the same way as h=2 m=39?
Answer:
h=9 m=28
